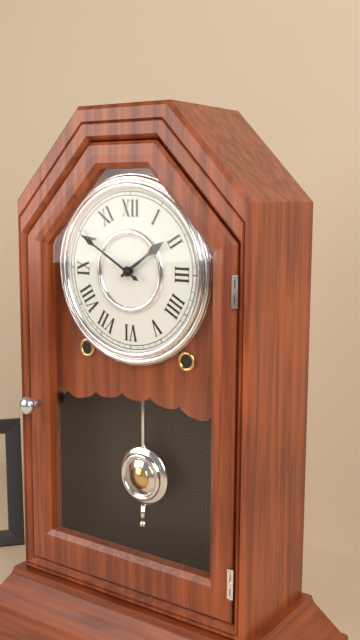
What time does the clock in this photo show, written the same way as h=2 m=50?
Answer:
h=1 m=50
